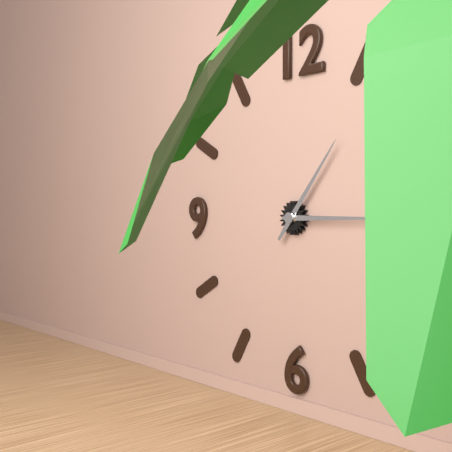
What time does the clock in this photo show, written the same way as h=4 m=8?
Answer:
h=1 m=15
